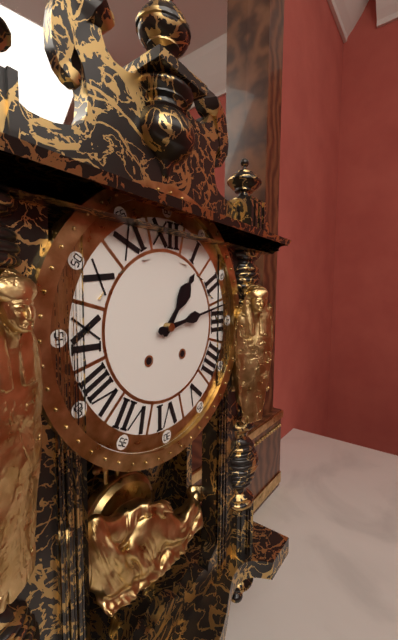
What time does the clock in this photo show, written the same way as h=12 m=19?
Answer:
h=1 m=13
